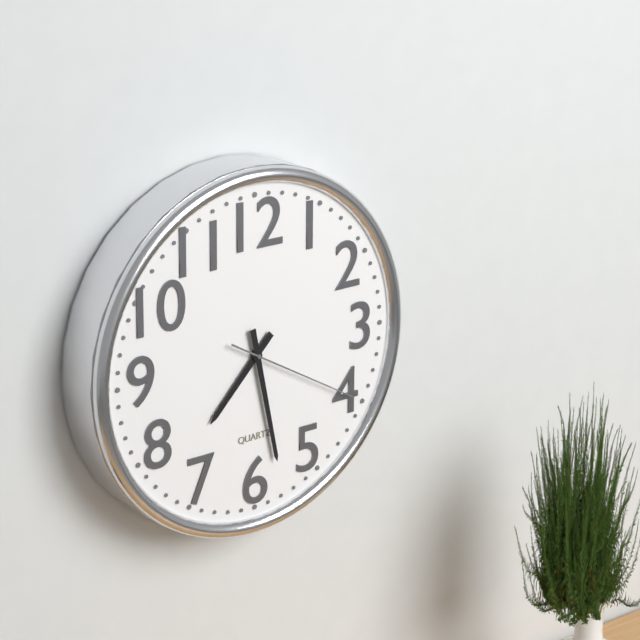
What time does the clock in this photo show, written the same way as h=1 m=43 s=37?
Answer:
h=7 m=28 s=20
